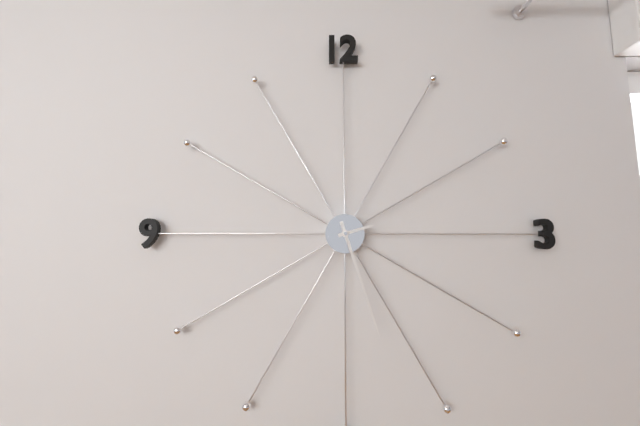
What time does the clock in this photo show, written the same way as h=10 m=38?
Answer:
h=2 m=27
